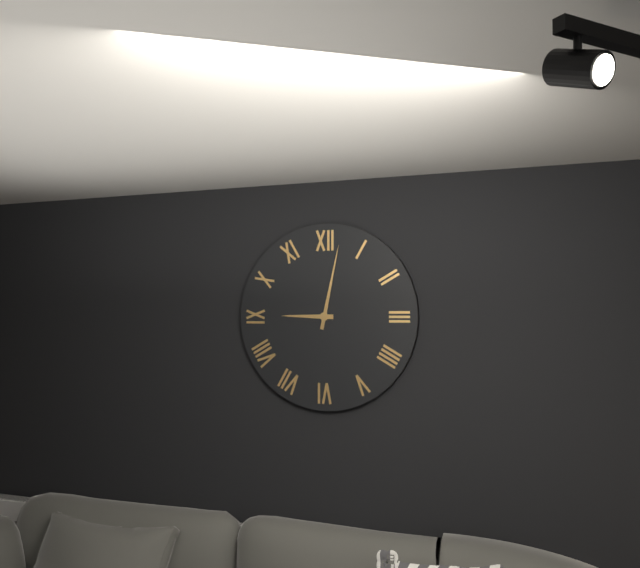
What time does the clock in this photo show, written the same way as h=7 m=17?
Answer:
h=9 m=2
